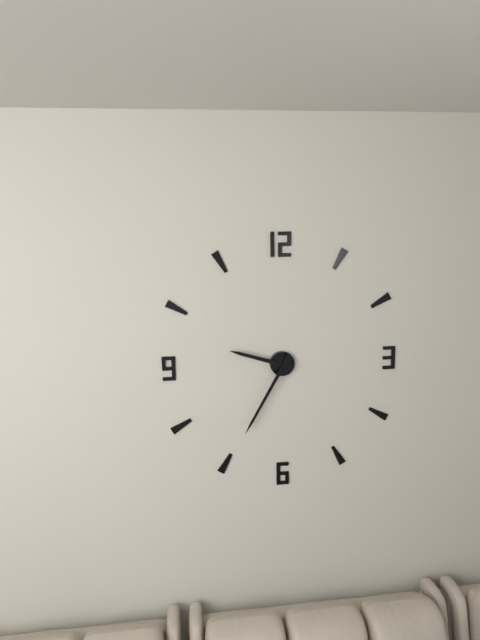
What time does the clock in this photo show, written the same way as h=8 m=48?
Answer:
h=9 m=35
